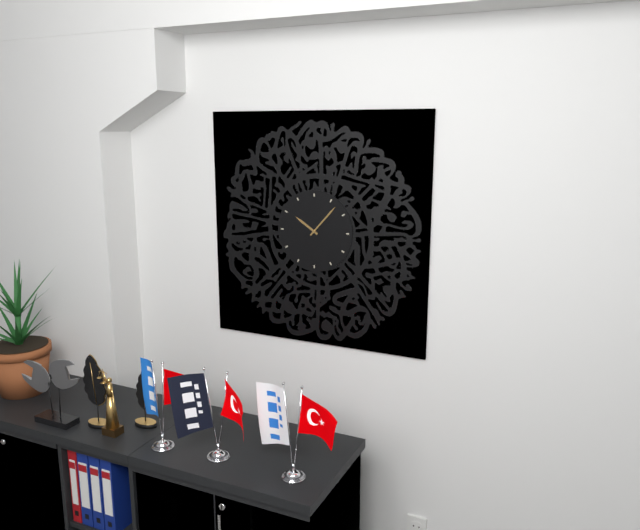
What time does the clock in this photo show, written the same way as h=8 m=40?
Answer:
h=10 m=7
